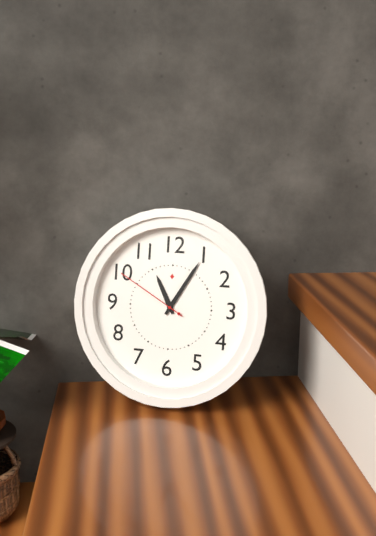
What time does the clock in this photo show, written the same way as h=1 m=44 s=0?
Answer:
h=11 m=5 s=50
